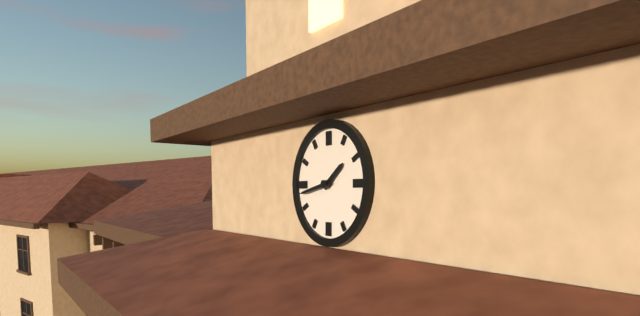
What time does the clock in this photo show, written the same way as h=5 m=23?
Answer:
h=1 m=43
